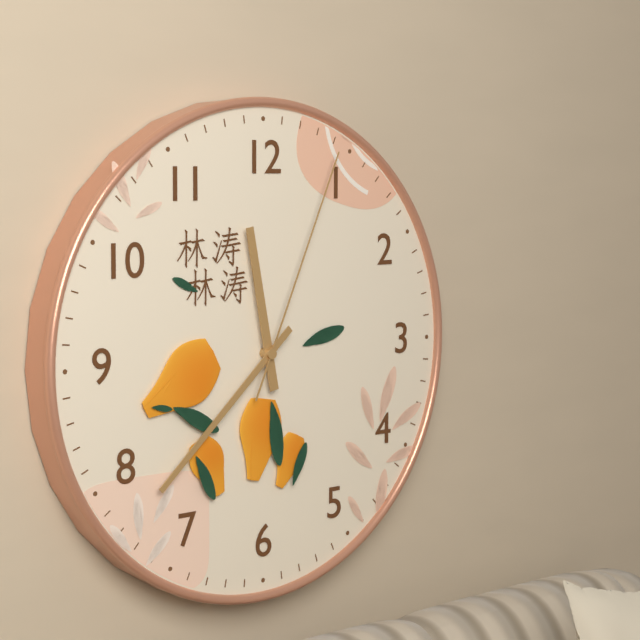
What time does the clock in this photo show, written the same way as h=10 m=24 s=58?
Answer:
h=11 m=38 s=4
